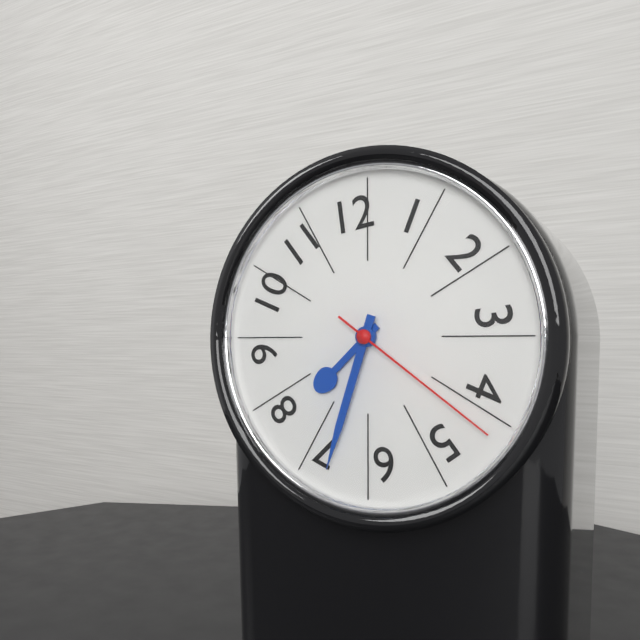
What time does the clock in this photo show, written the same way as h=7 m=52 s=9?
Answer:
h=7 m=33 s=21
